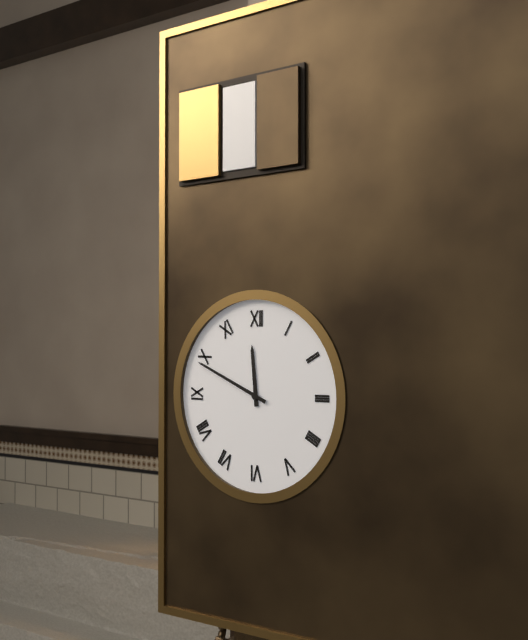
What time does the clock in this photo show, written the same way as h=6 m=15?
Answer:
h=11 m=49
